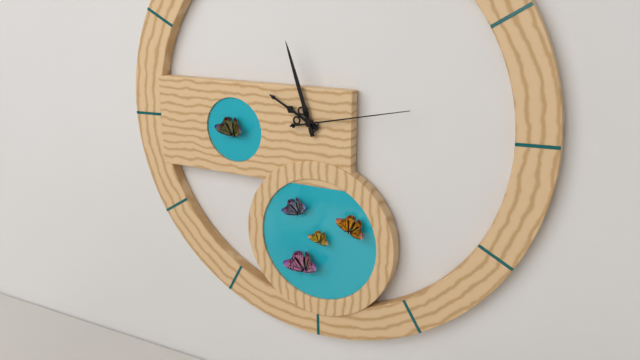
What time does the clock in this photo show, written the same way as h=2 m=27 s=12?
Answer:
h=9 m=57 s=13
